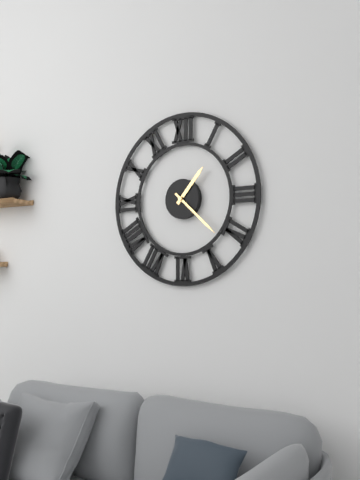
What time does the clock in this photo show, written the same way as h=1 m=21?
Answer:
h=1 m=22
